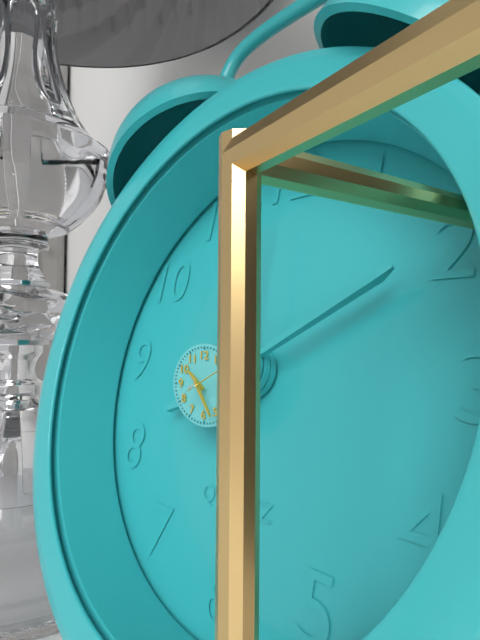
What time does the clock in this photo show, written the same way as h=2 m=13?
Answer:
h=10 m=25
